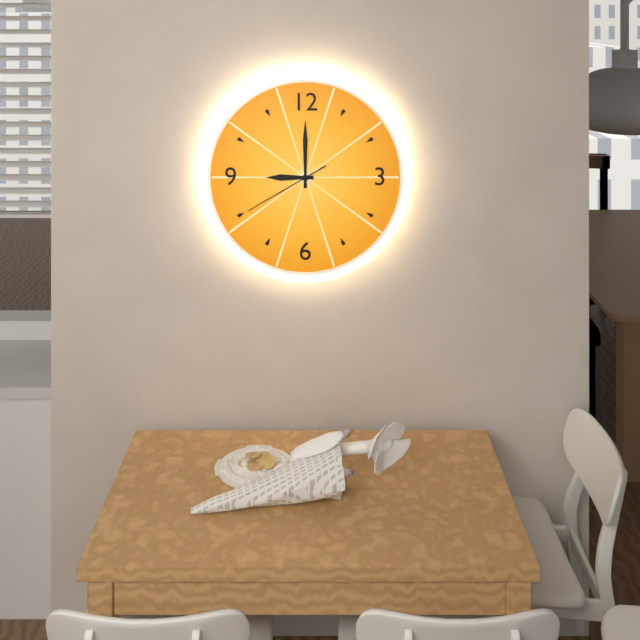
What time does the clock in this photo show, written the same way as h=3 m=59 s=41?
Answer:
h=9 m=0 s=40
